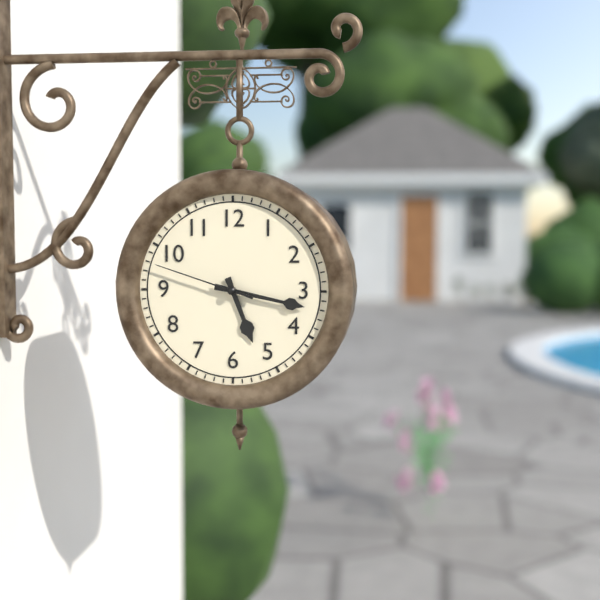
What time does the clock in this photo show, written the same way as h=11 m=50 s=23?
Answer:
h=5 m=17 s=48
